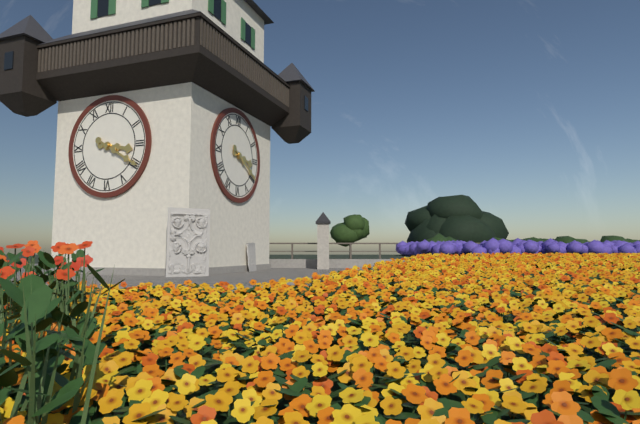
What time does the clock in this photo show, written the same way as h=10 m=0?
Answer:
h=3 m=20
